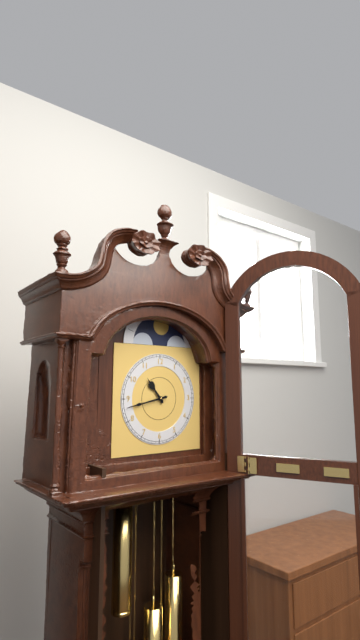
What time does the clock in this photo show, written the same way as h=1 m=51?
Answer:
h=10 m=43
